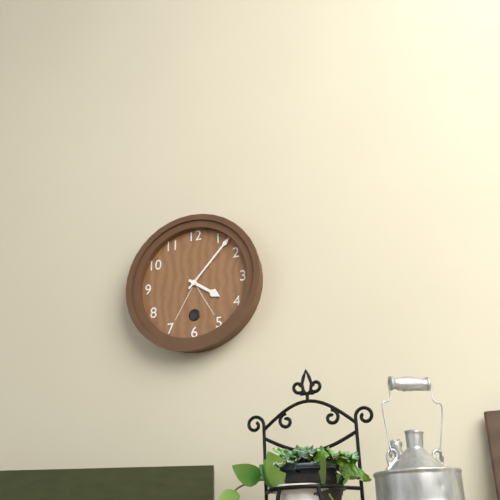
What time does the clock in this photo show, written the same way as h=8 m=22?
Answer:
h=4 m=7
